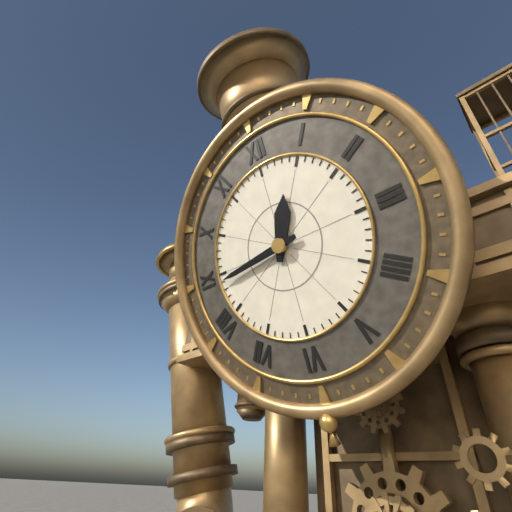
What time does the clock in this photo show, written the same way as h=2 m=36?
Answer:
h=12 m=44
